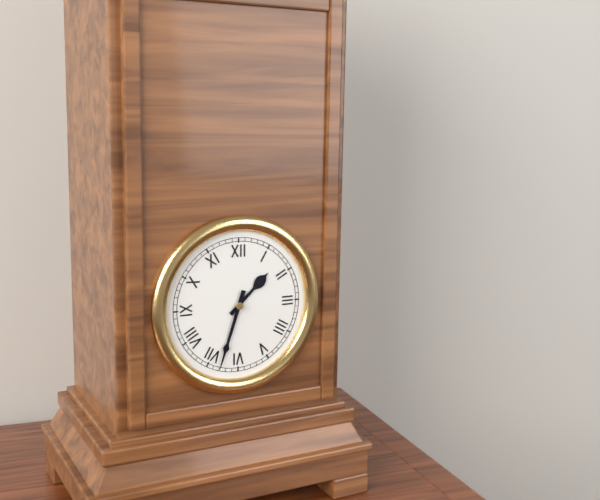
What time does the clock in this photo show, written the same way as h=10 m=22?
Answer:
h=1 m=33
